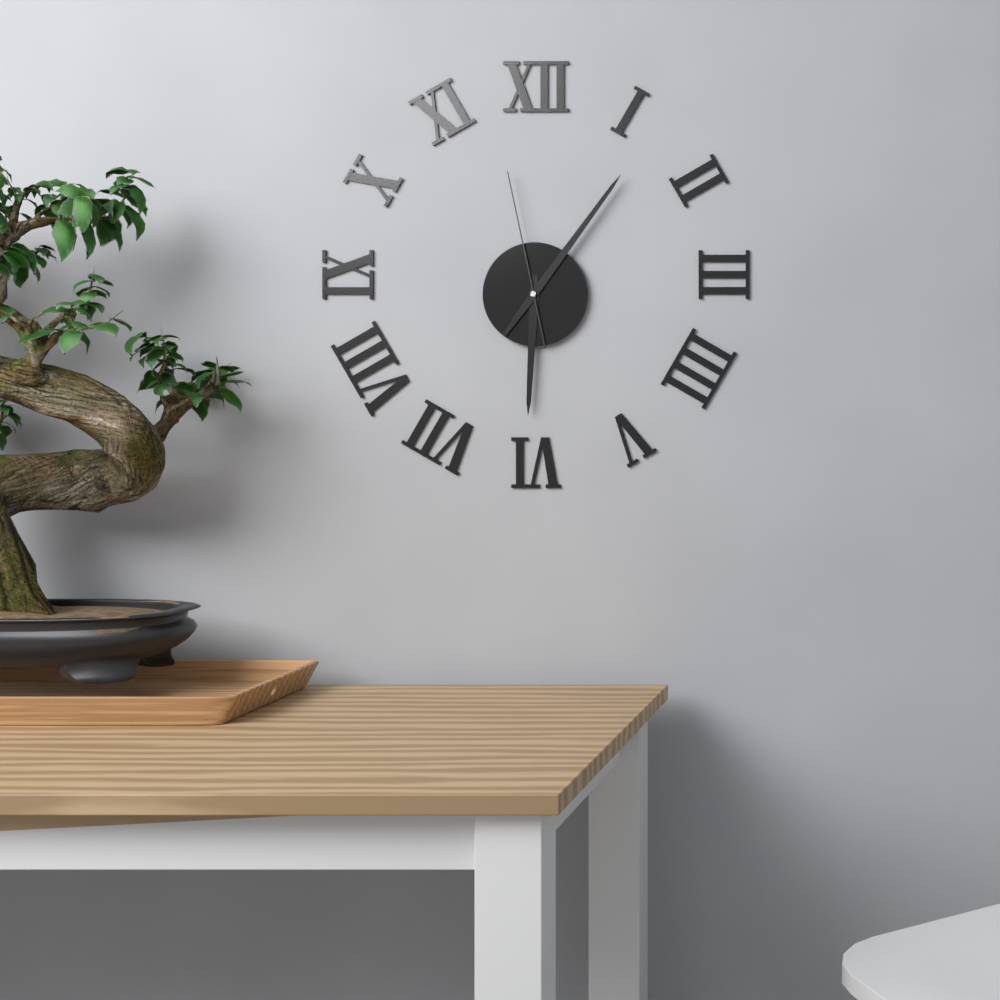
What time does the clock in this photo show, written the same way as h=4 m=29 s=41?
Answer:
h=6 m=6 s=58
